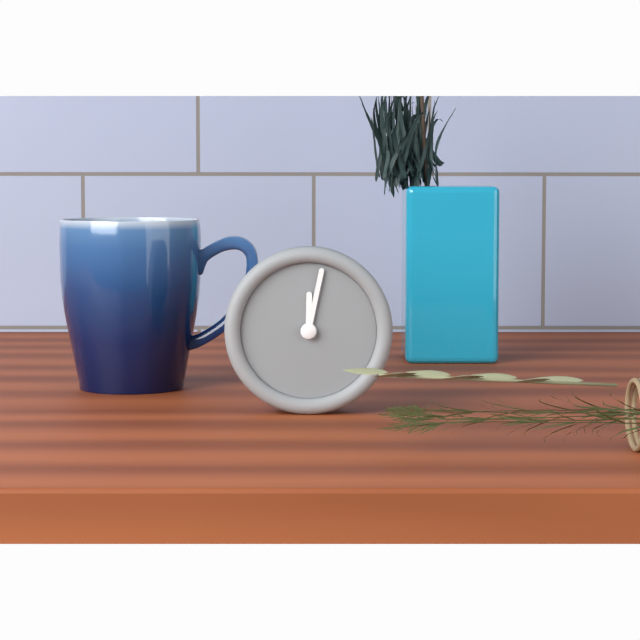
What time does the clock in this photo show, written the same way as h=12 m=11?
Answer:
h=12 m=2
